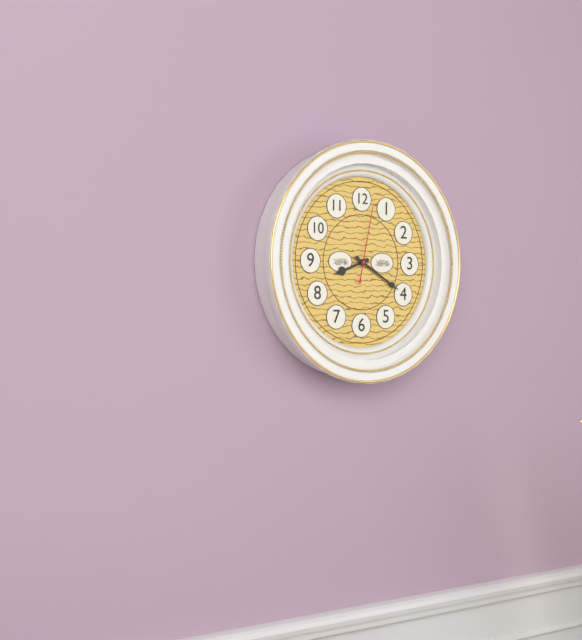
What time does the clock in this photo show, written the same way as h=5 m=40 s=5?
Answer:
h=8 m=20 s=2
